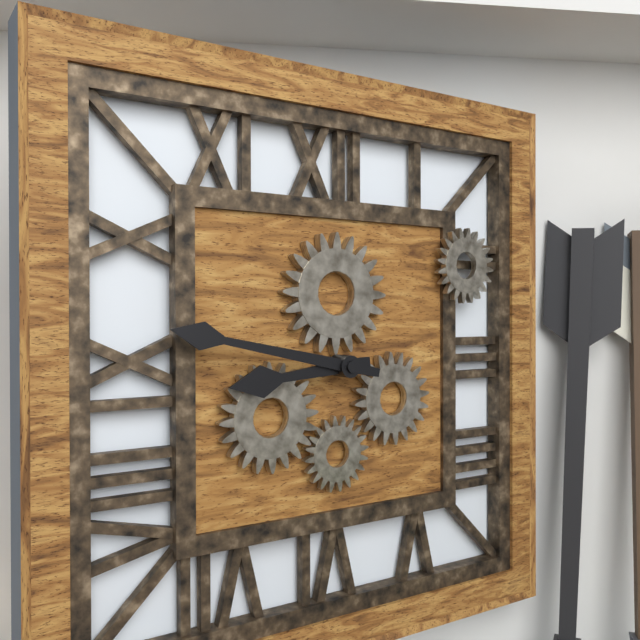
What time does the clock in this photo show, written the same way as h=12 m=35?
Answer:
h=8 m=47
